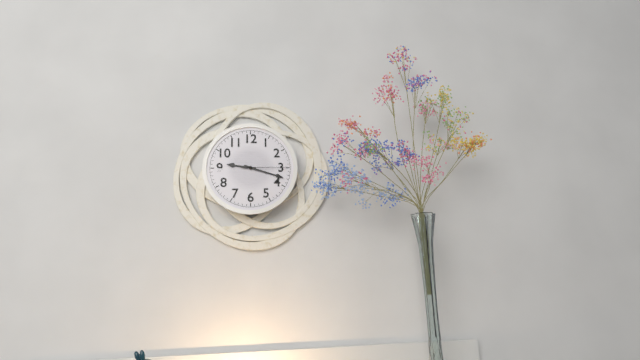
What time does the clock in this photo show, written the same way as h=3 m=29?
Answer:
h=9 m=18
